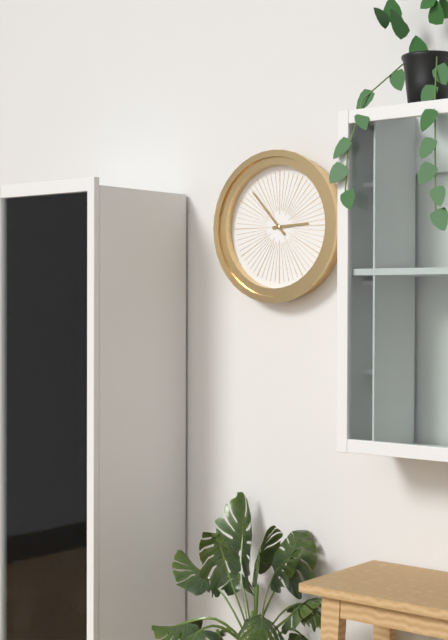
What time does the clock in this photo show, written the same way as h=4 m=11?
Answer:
h=2 m=53
